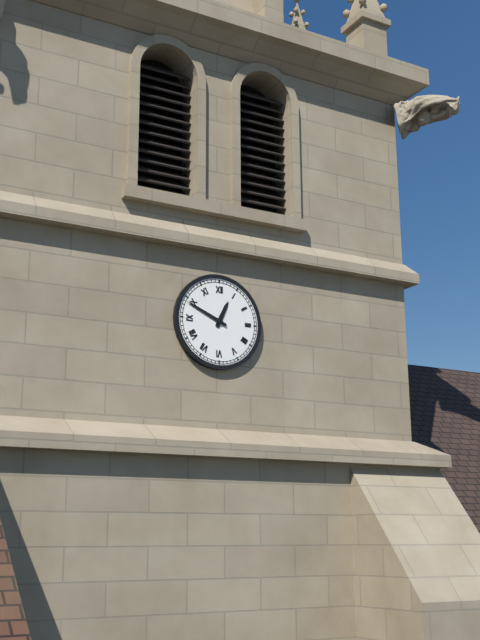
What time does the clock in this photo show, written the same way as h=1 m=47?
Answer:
h=12 m=49
